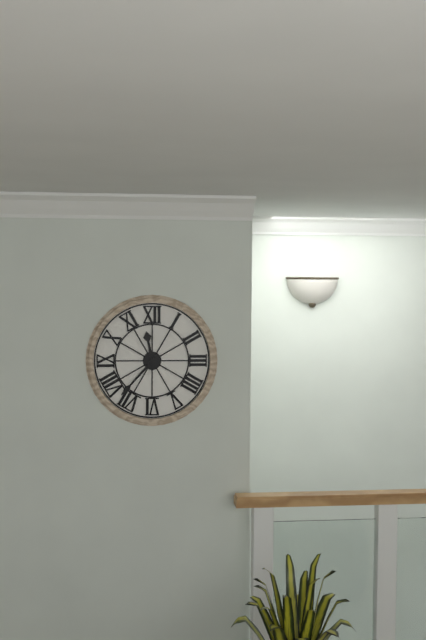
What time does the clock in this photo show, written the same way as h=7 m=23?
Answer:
h=11 m=37
